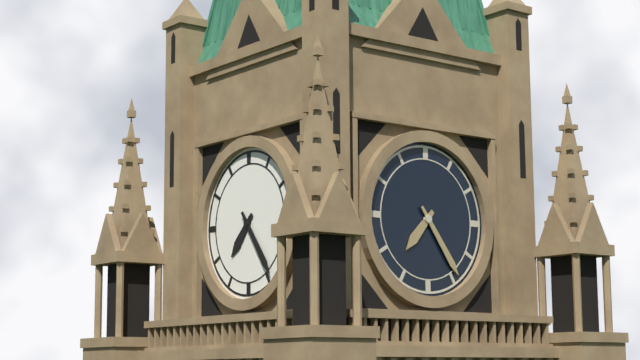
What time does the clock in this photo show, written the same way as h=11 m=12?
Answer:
h=7 m=24
